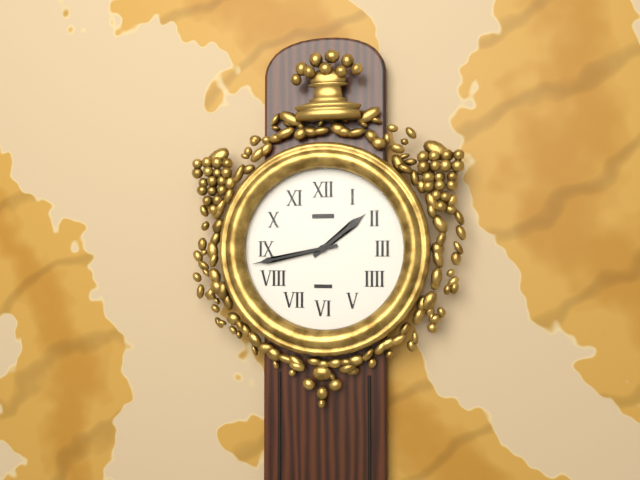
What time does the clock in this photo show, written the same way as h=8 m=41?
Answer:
h=1 m=43
